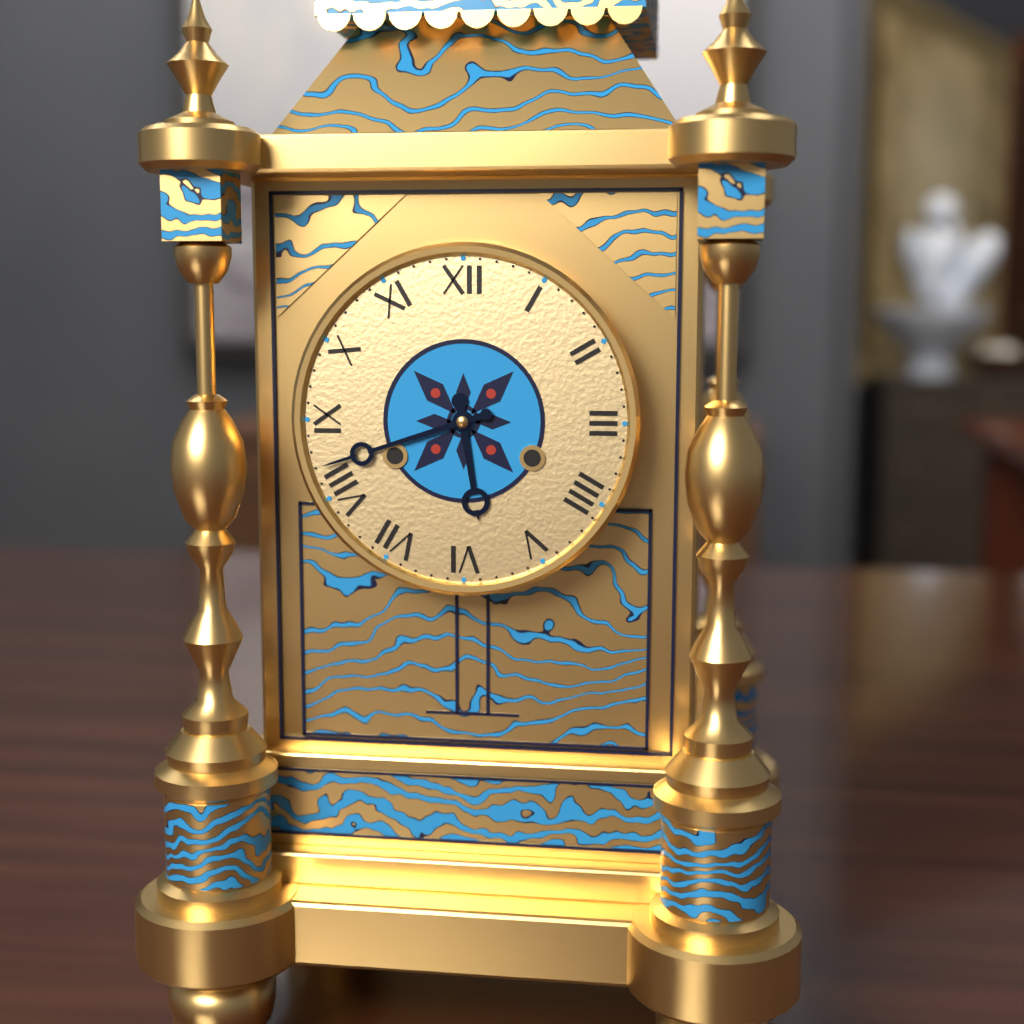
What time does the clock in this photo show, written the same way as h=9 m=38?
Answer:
h=5 m=42
